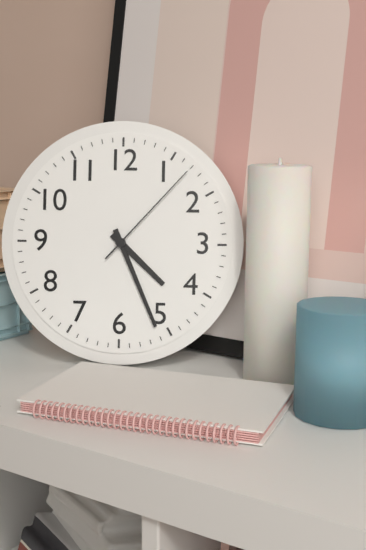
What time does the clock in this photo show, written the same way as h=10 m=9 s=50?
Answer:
h=4 m=26 s=7
